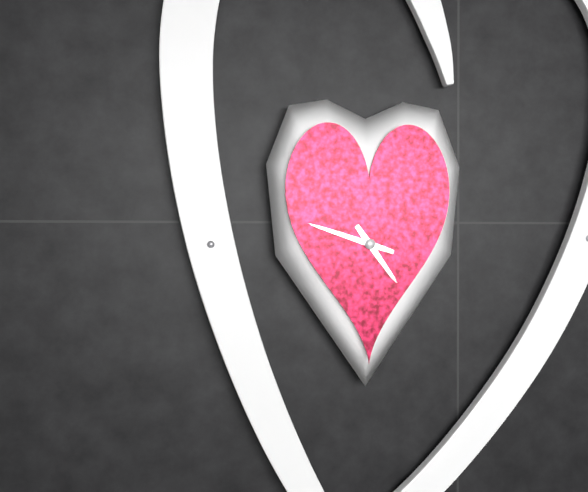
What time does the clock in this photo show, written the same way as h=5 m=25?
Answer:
h=4 m=48
